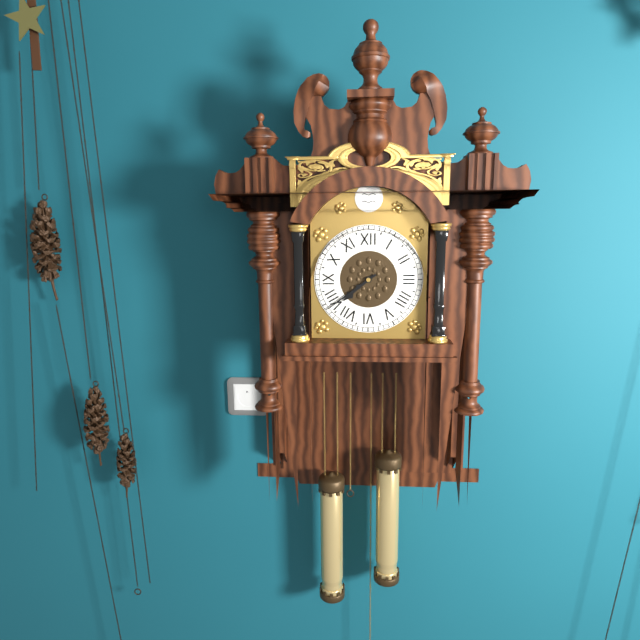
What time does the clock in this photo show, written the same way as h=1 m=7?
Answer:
h=7 m=39
